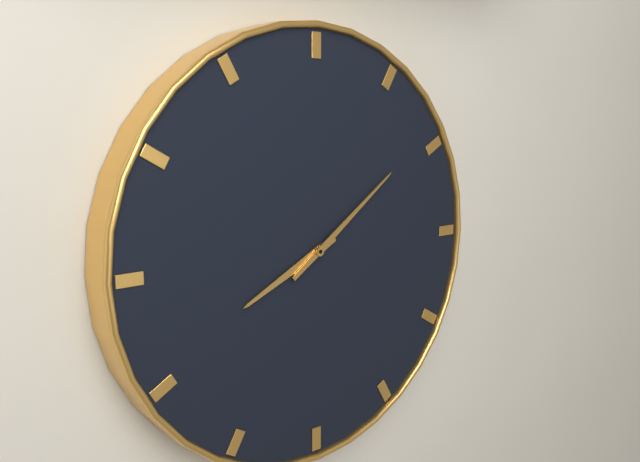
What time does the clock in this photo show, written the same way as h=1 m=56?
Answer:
h=8 m=9
